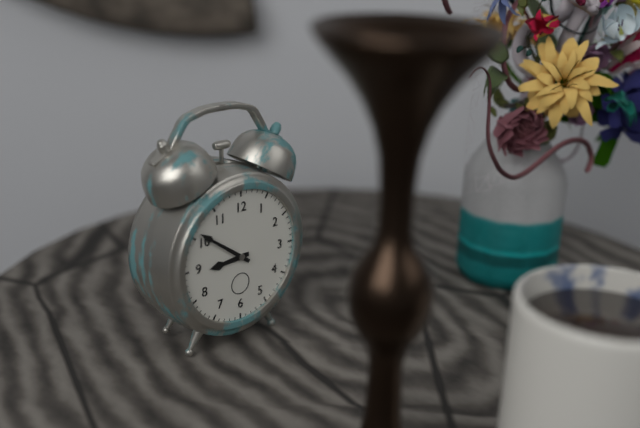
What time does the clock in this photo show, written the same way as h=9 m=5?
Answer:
h=8 m=51
